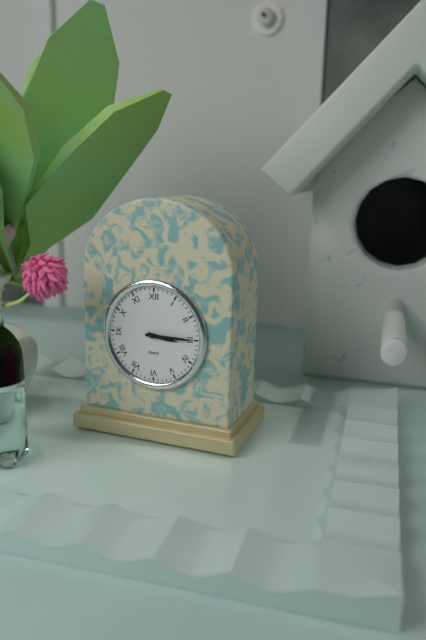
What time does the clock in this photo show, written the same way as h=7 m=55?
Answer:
h=3 m=15
